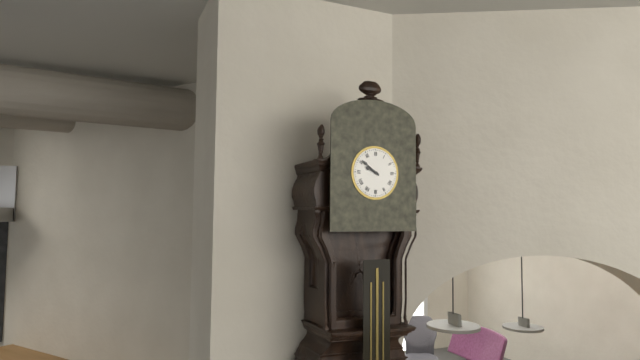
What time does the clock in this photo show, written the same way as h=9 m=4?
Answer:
h=9 m=51
